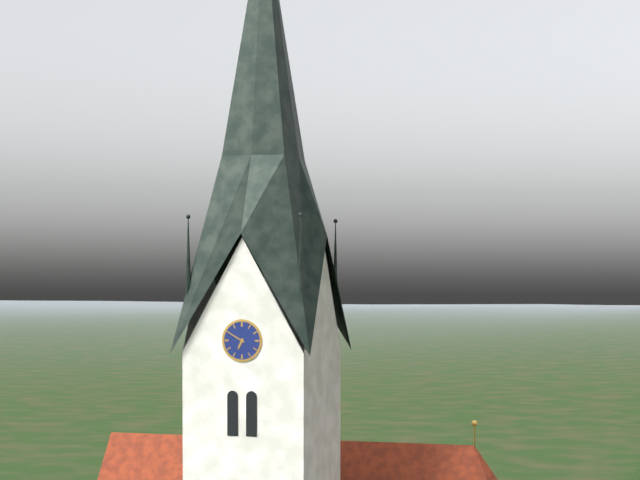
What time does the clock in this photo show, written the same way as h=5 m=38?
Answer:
h=6 m=50
